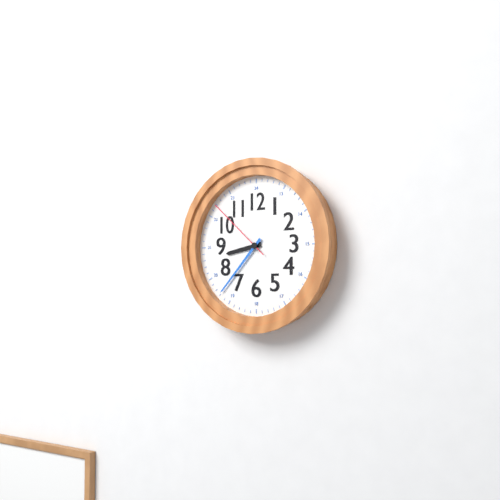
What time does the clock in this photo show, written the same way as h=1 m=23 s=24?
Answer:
h=8 m=37 s=52
